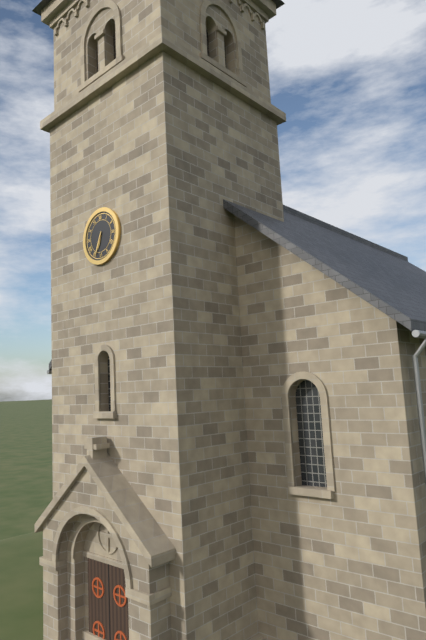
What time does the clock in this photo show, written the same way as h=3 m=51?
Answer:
h=6 m=34
